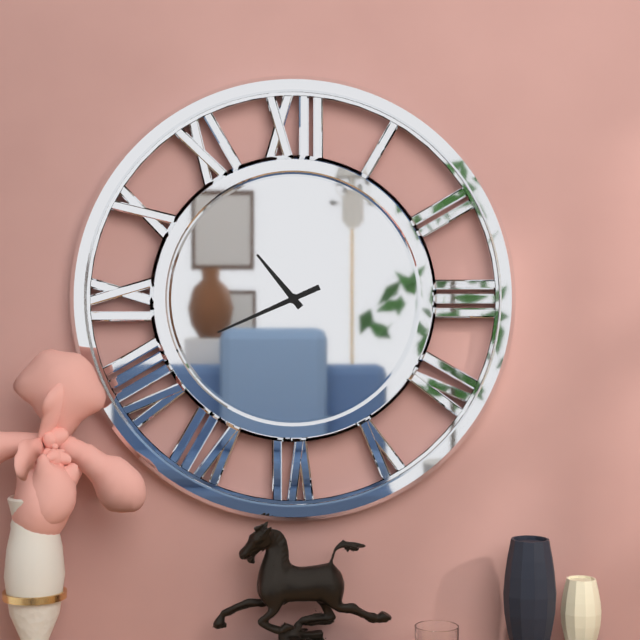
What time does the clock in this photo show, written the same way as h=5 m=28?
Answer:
h=10 m=41
